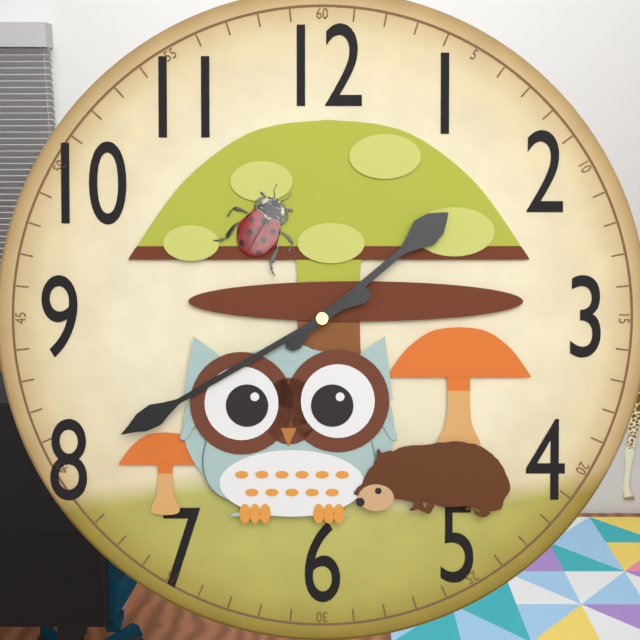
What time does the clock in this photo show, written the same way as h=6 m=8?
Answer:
h=1 m=40
